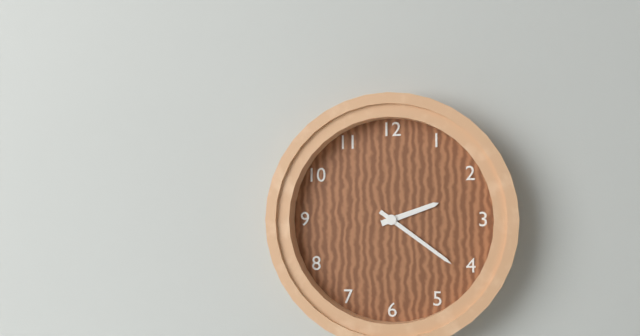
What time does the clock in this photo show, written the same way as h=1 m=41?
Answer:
h=2 m=21
